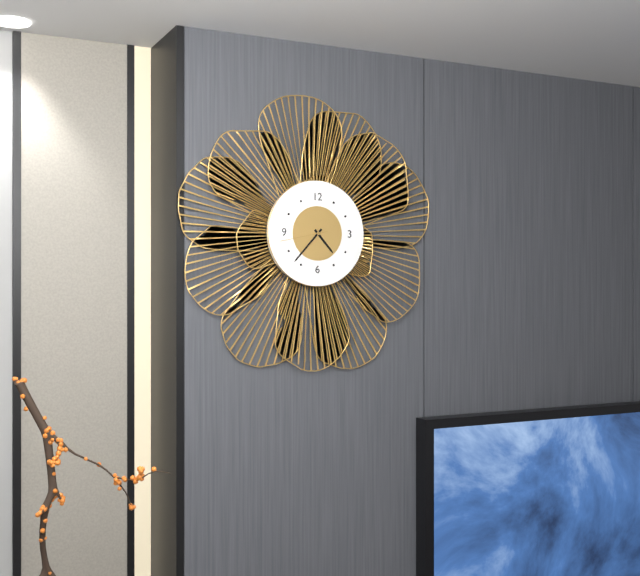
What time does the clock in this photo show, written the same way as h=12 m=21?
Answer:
h=4 m=37
